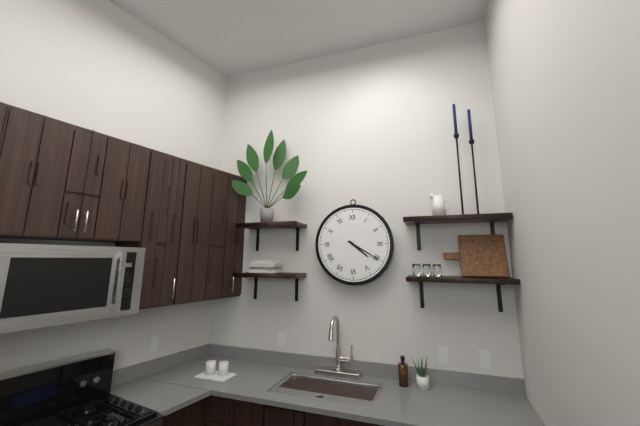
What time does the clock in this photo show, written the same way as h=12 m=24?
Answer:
h=4 m=20
